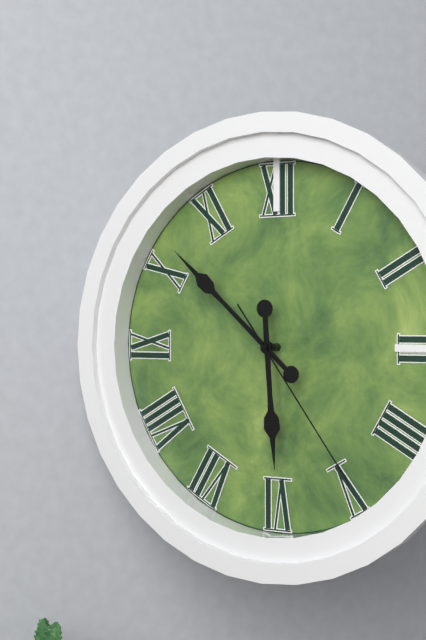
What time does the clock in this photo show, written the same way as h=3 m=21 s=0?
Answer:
h=5 m=52 s=24
